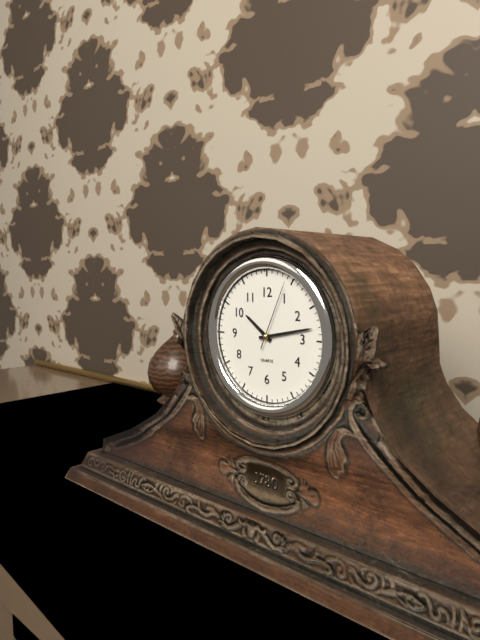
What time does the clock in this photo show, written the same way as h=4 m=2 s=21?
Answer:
h=10 m=13 s=4
